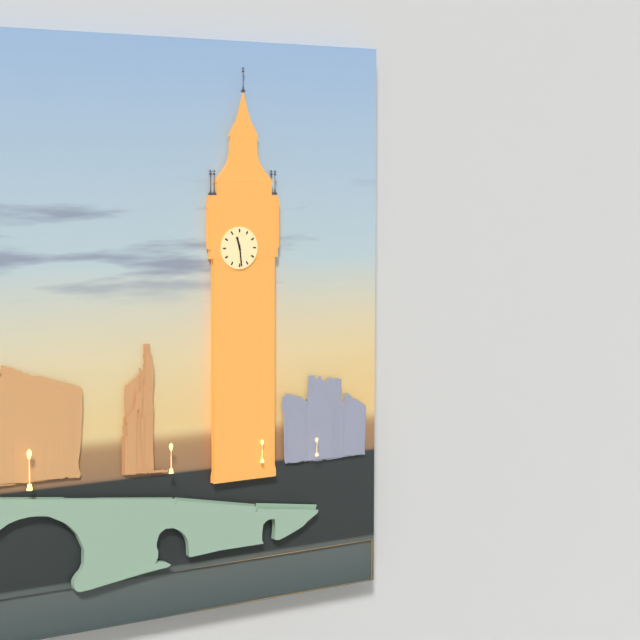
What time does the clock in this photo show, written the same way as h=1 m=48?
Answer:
h=11 m=29
